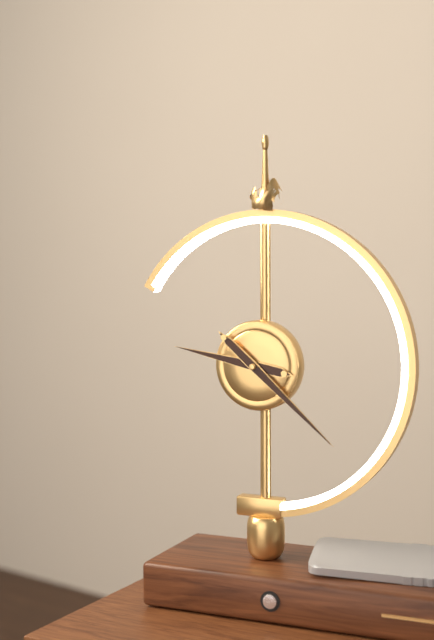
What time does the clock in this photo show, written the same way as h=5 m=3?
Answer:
h=9 m=22
